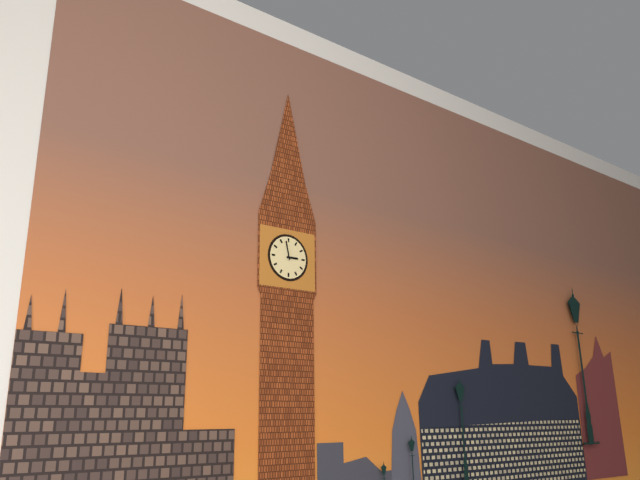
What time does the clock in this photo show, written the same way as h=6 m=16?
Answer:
h=2 m=58
